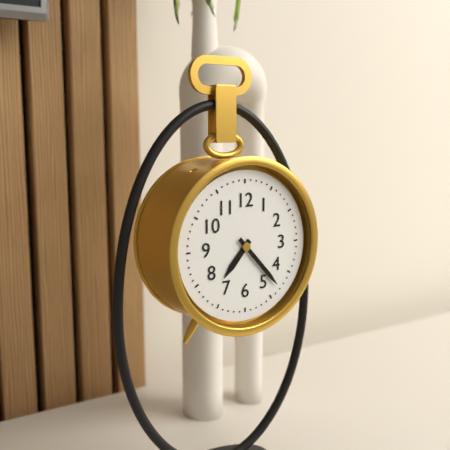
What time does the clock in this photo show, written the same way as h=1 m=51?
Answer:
h=7 m=23
